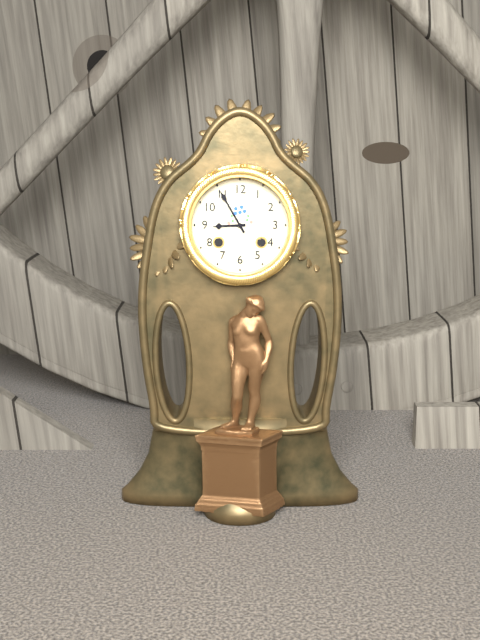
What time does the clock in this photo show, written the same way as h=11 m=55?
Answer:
h=8 m=55
